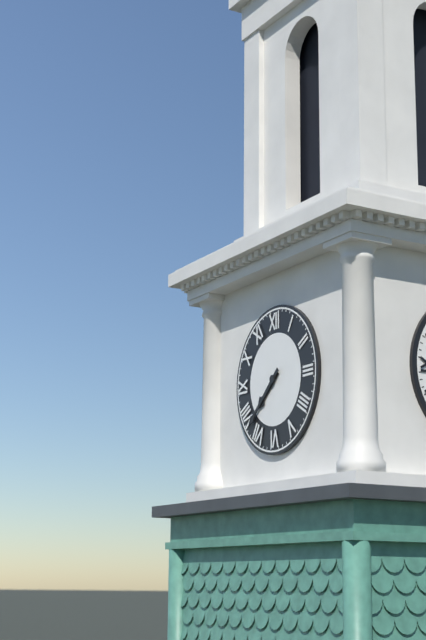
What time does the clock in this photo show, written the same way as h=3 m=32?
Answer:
h=7 m=38
